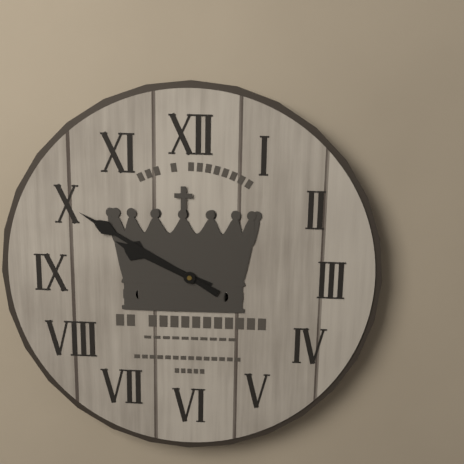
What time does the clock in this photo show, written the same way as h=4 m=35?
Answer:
h=9 m=50
